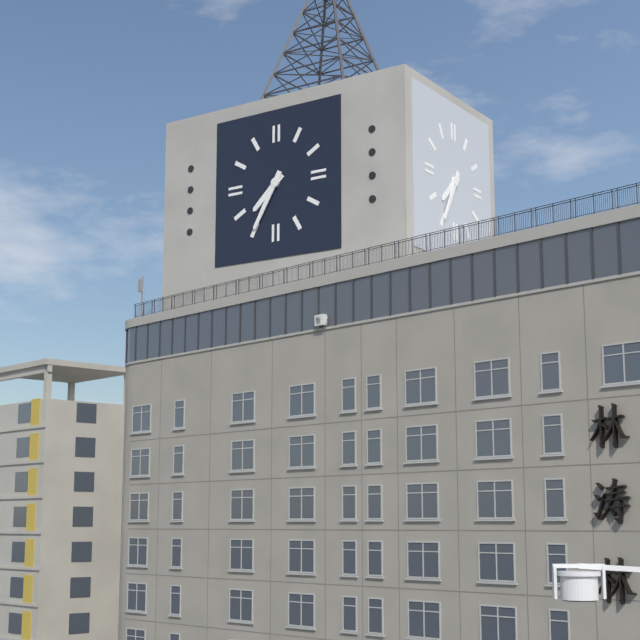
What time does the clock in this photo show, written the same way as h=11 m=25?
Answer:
h=7 m=35
